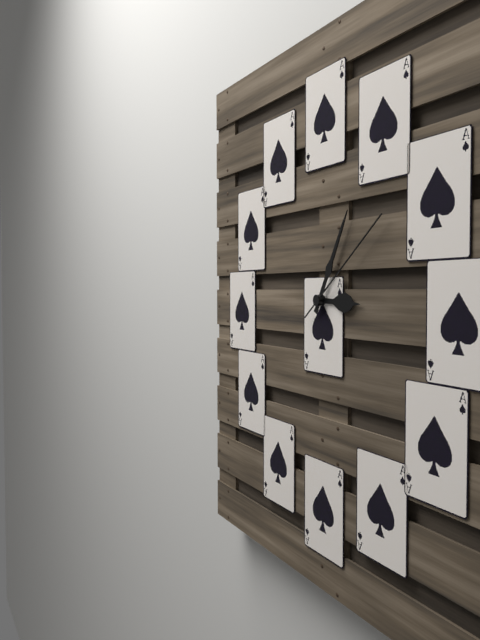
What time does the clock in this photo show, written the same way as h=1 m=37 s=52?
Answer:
h=3 m=5 s=9
